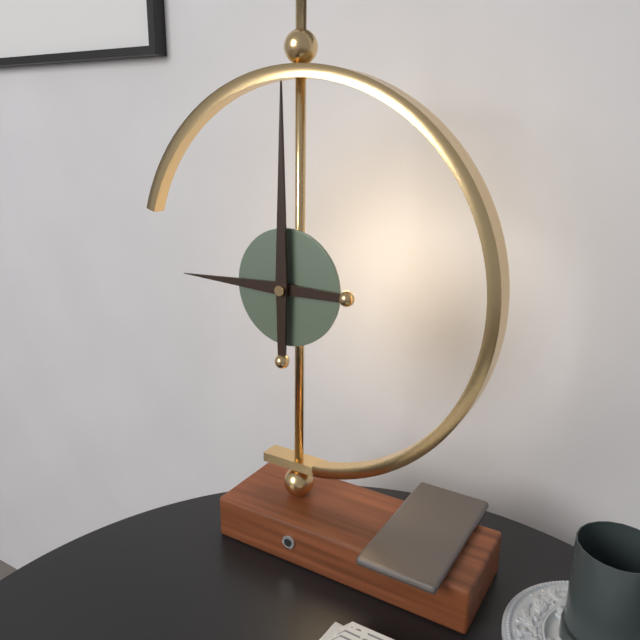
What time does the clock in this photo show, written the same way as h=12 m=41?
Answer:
h=9 m=0
